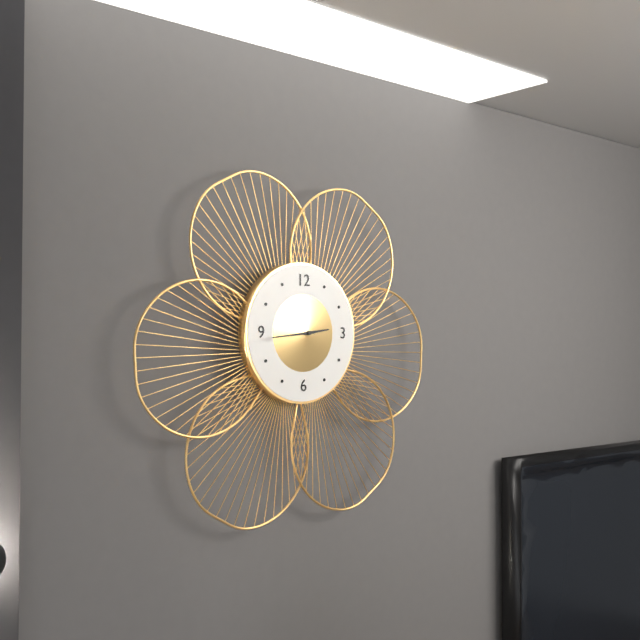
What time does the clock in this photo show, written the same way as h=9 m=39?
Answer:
h=2 m=44
